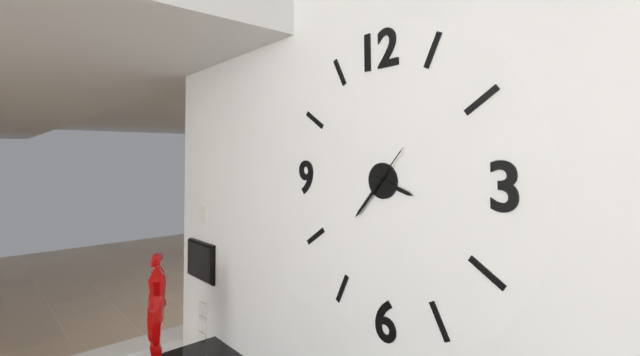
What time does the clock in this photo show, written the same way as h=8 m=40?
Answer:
h=3 m=37
